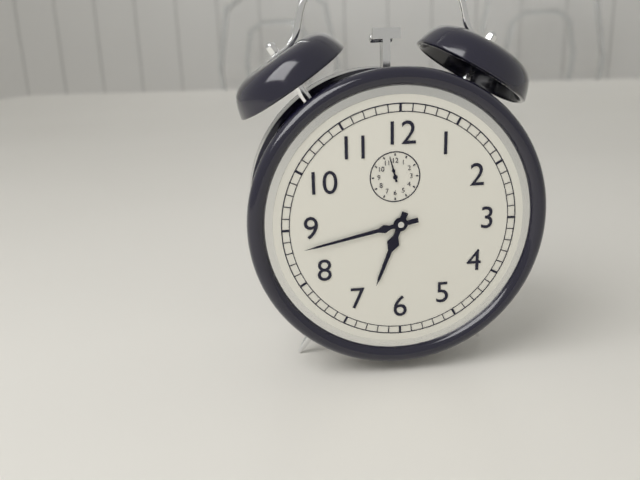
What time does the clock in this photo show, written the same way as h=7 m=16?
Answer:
h=6 m=43
